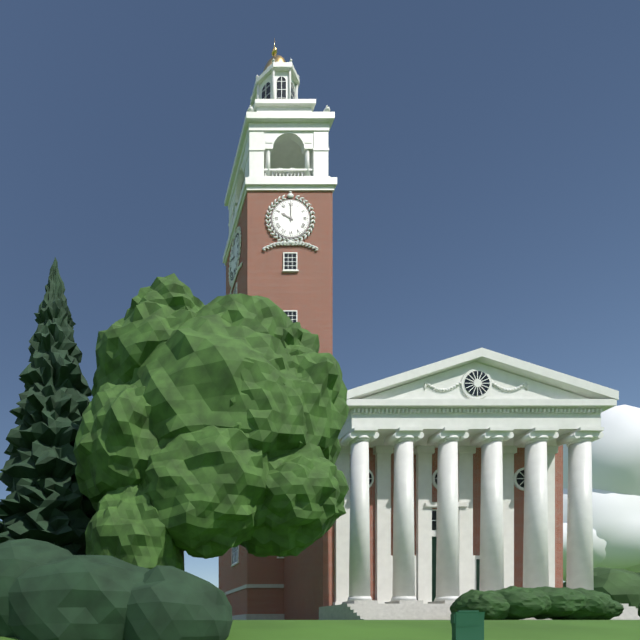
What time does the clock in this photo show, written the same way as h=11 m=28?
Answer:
h=10 m=0
